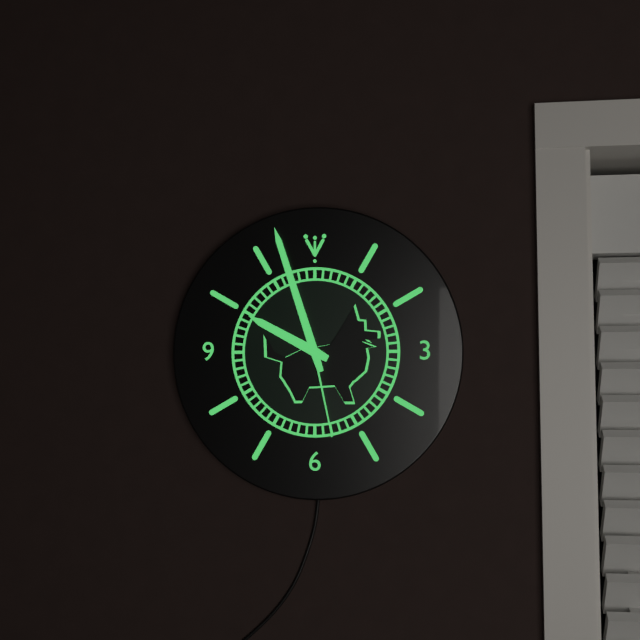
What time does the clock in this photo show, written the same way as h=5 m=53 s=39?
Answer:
h=9 m=57 s=28
